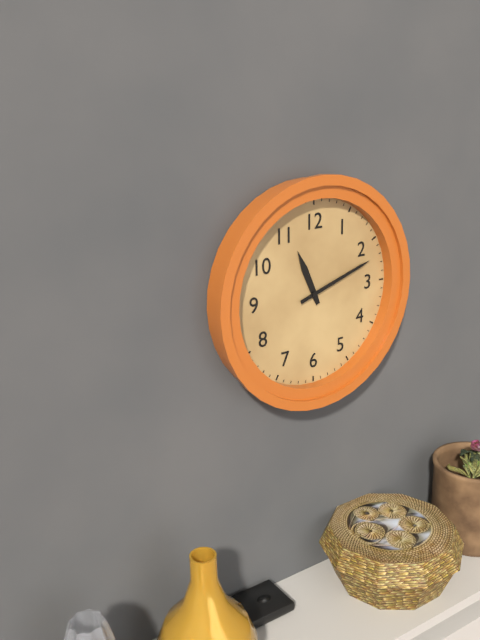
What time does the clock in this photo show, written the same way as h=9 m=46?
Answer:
h=11 m=12
